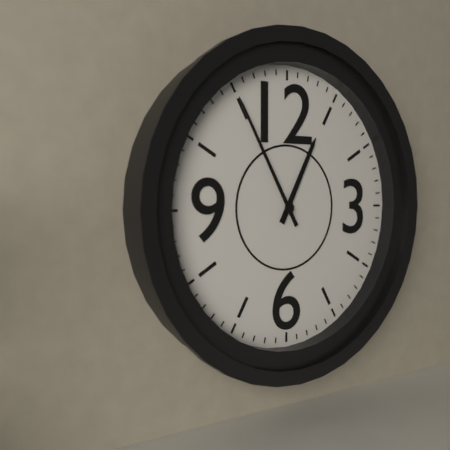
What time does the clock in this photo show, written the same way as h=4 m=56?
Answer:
h=12 m=55
